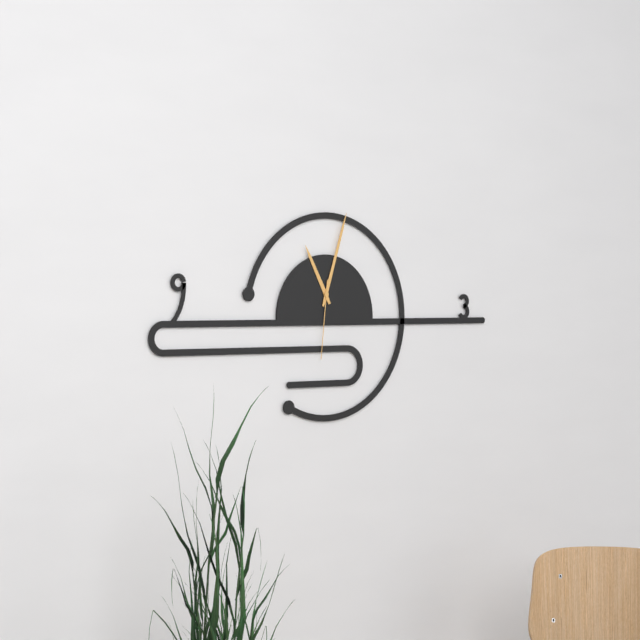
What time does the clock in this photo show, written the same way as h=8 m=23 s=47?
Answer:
h=11 m=3 s=31
